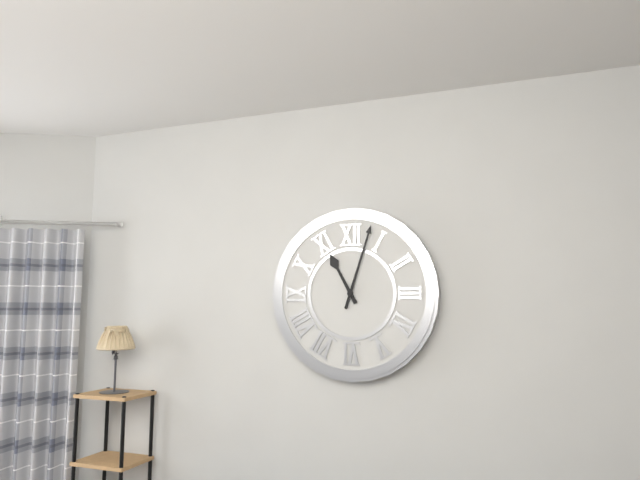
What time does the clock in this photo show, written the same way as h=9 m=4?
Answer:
h=11 m=3
